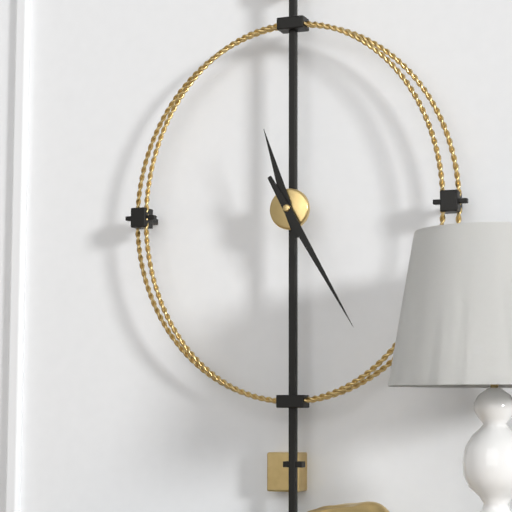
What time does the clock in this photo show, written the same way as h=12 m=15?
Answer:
h=11 m=25
